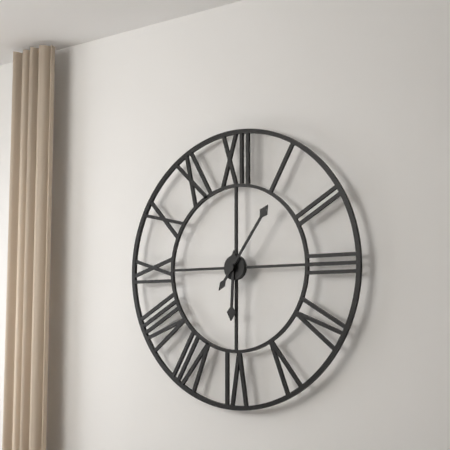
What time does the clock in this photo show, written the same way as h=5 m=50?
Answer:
h=6 m=6
